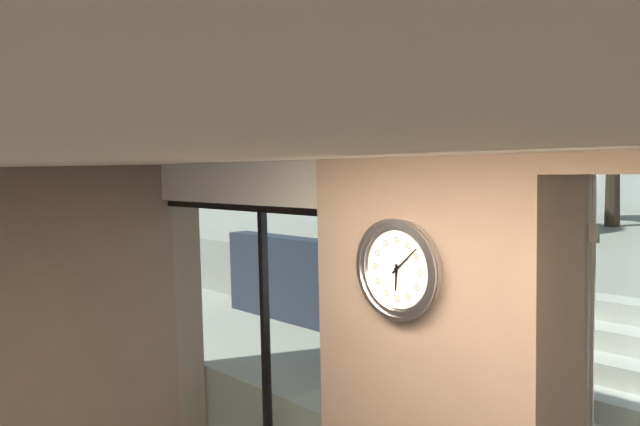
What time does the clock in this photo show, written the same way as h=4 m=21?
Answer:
h=6 m=8
